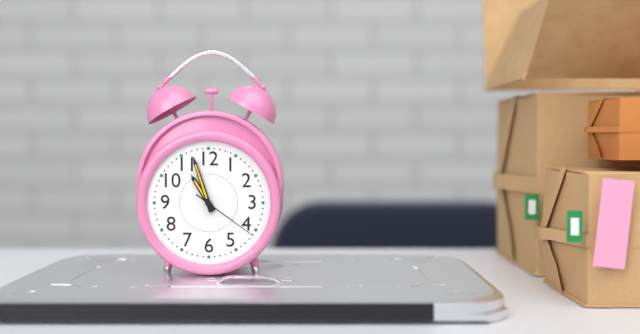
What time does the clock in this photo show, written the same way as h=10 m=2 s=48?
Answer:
h=10 m=57 s=21
